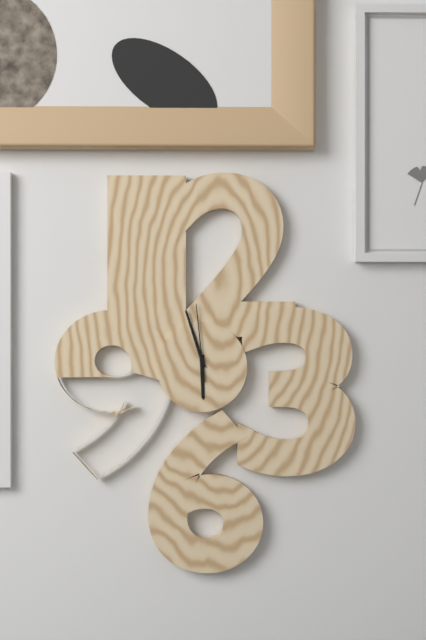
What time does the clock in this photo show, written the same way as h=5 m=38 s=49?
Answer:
h=5 m=57 s=59
